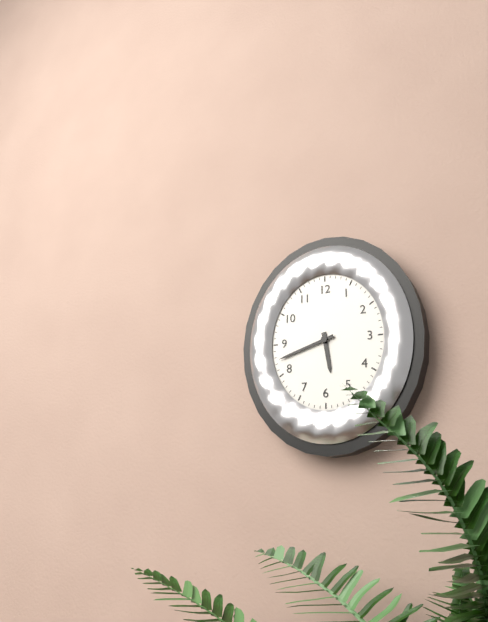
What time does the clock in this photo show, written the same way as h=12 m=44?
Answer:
h=5 m=42
